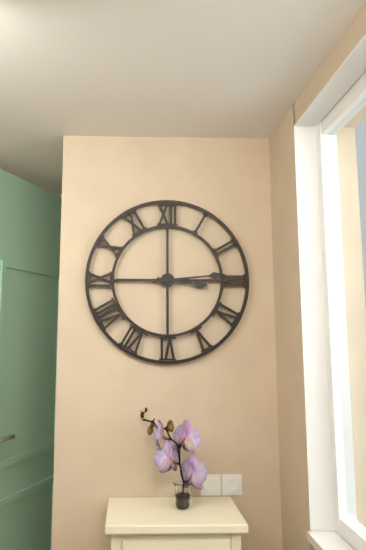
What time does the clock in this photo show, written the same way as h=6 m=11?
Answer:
h=3 m=14
